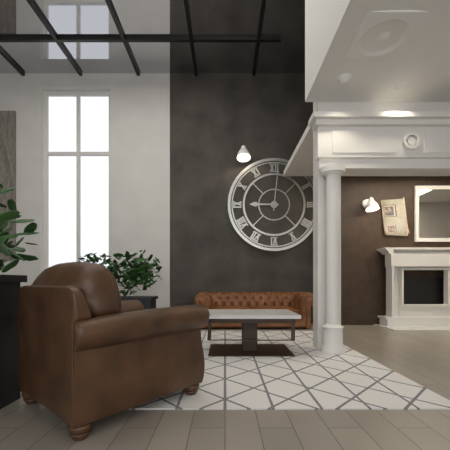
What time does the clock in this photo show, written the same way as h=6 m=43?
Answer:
h=9 m=1
